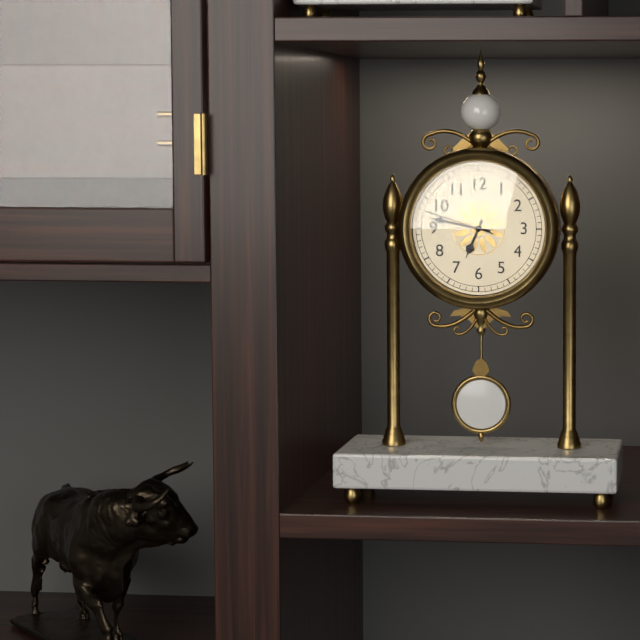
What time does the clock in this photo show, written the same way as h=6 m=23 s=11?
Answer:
h=6 m=47 s=48
